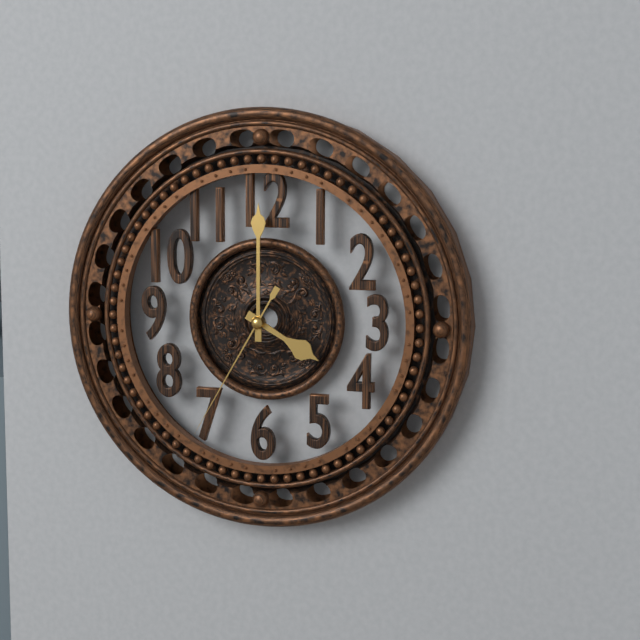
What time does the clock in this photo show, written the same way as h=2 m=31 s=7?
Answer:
h=4 m=0 s=35
